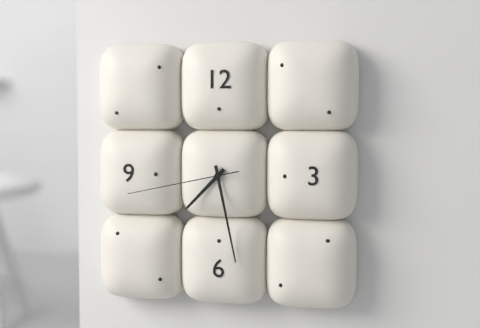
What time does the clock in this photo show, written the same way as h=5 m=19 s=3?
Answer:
h=7 m=28 s=43
